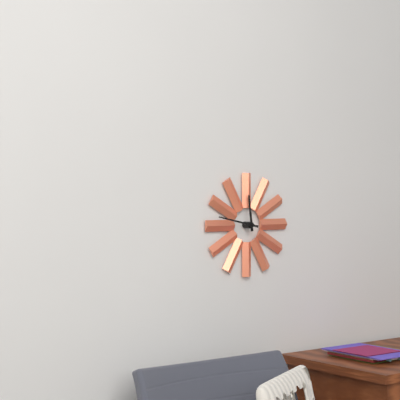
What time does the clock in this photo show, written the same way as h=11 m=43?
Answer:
h=11 m=47
